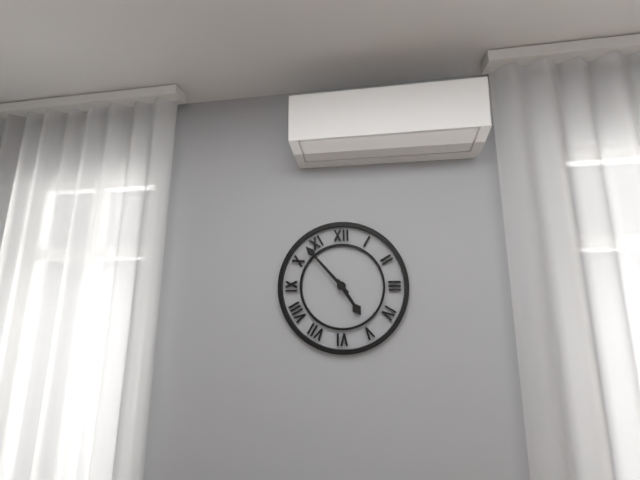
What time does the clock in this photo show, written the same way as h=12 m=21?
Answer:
h=4 m=53
